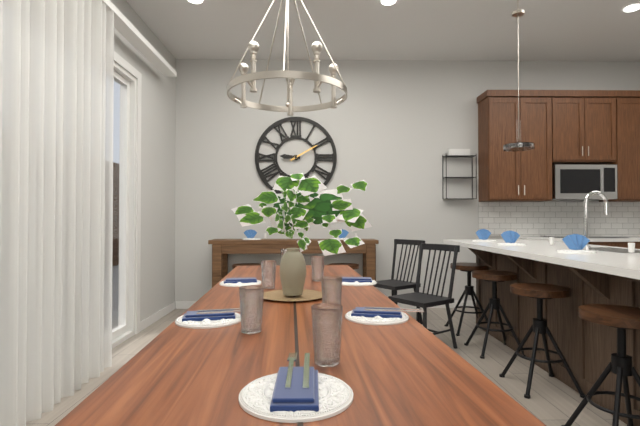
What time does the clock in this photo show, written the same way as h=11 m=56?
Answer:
h=9 m=10
